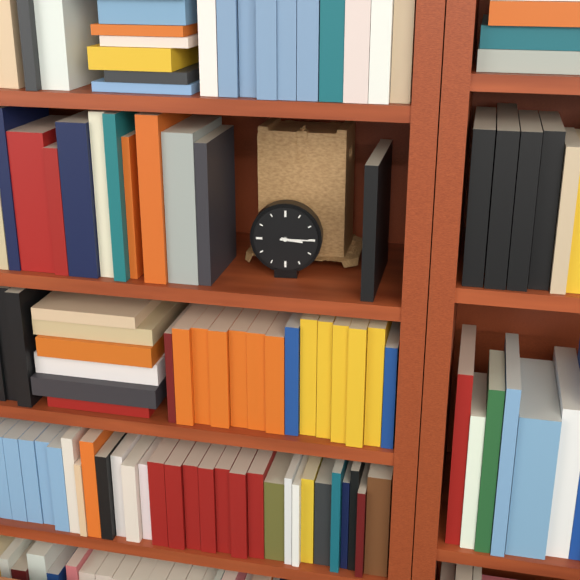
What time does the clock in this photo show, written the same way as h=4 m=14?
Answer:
h=3 m=15
